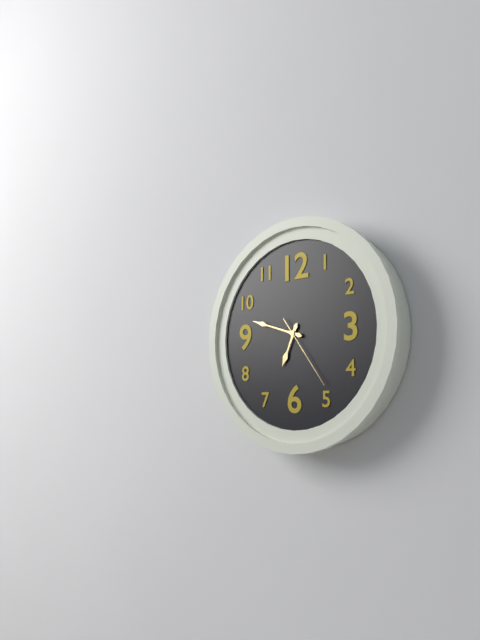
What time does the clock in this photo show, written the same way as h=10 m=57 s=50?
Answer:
h=6 m=48 s=24
